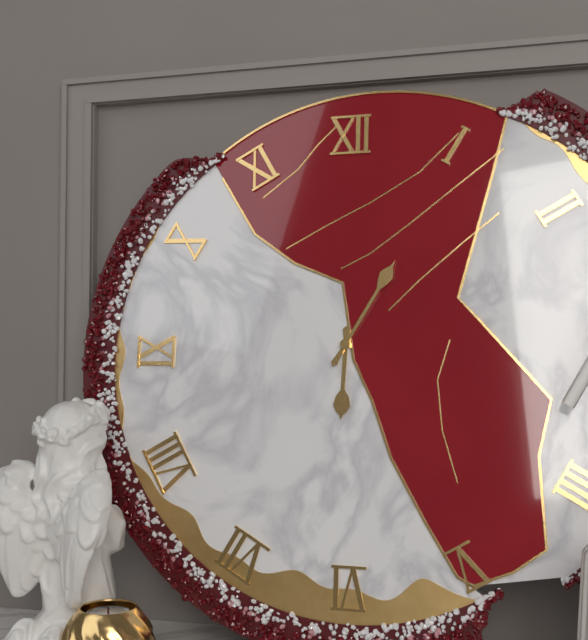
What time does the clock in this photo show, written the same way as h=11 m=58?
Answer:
h=6 m=5
